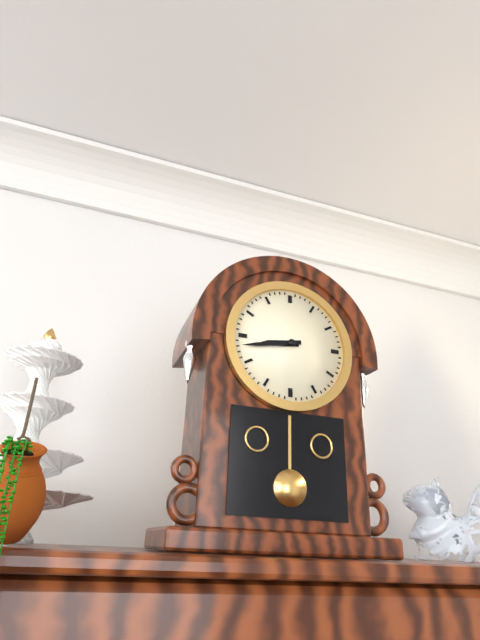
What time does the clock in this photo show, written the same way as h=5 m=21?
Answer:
h=8 m=43
